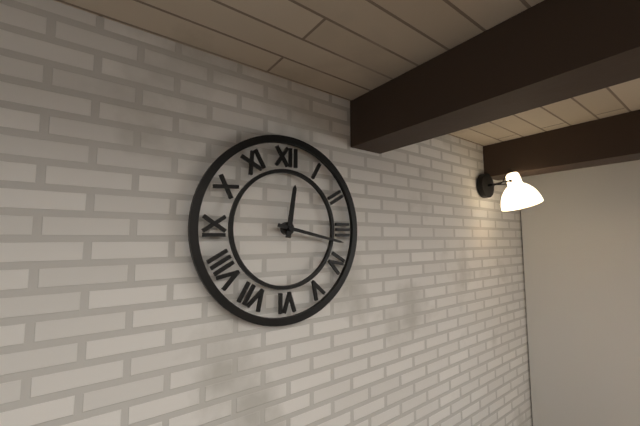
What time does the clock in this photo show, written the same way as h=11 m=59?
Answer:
h=12 m=17
